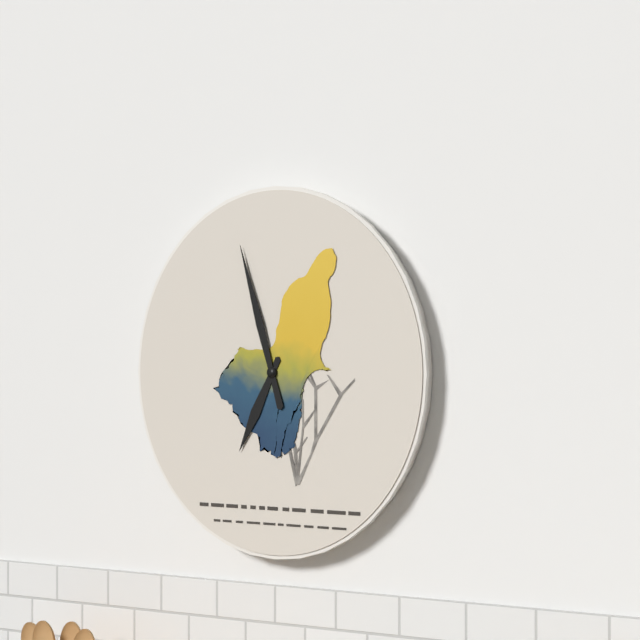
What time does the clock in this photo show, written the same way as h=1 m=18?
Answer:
h=6 m=57
